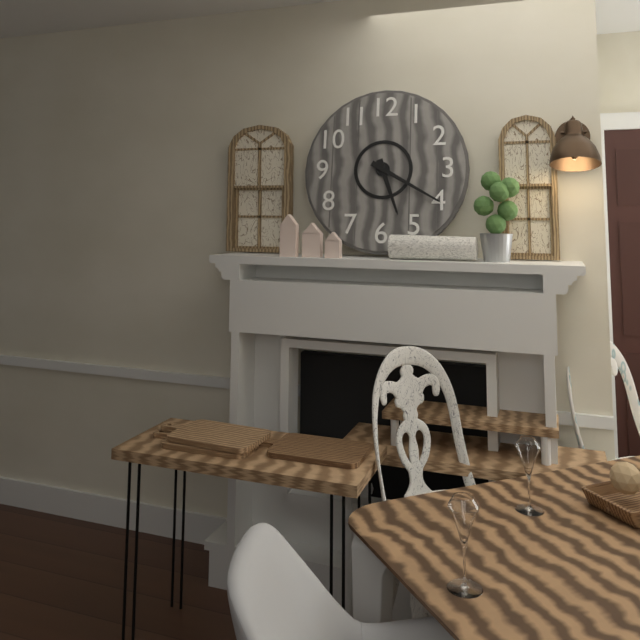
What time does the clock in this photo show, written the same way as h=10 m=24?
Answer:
h=5 m=20
